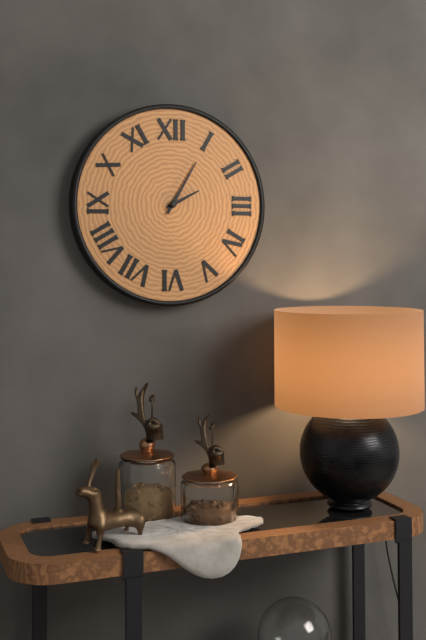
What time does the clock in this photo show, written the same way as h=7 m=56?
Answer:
h=2 m=5
